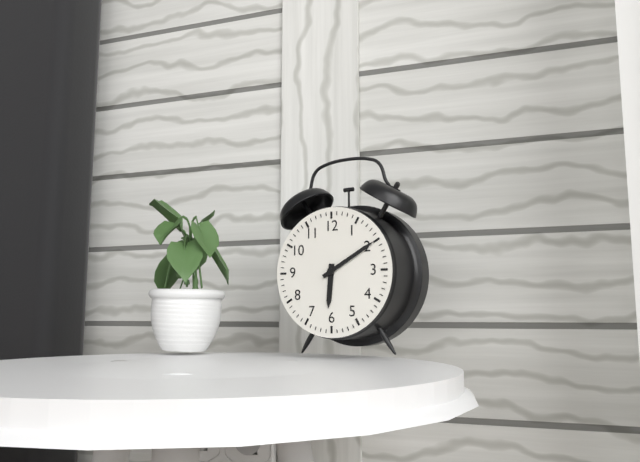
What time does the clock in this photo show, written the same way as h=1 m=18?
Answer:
h=6 m=10
